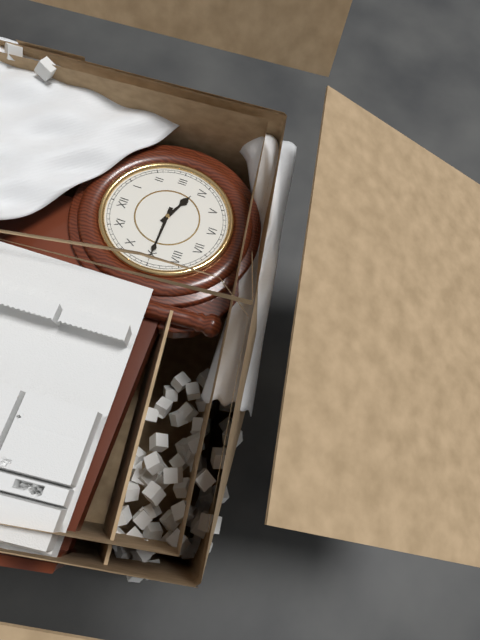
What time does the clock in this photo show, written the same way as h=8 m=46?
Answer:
h=3 m=45
